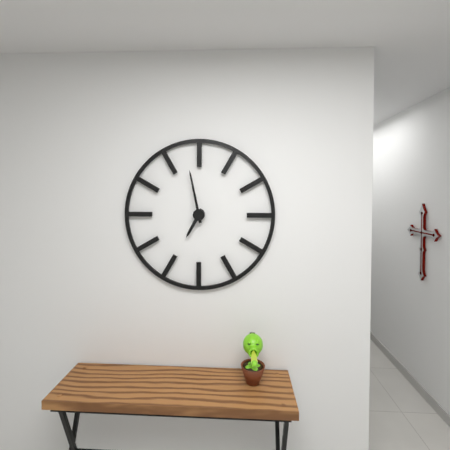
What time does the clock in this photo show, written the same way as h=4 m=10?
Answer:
h=6 m=58
